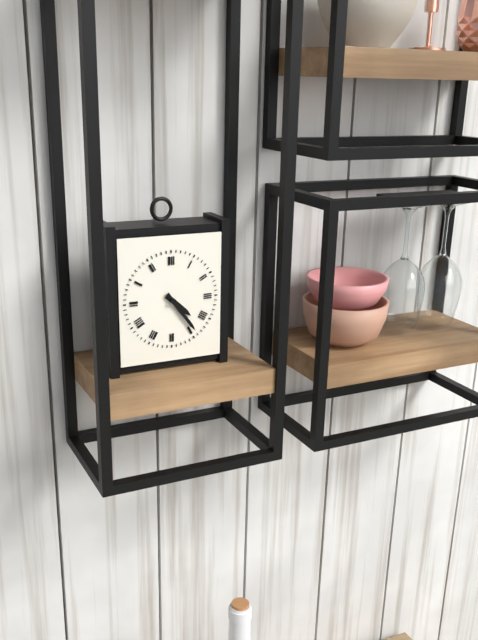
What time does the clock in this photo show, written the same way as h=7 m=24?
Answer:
h=4 m=24
